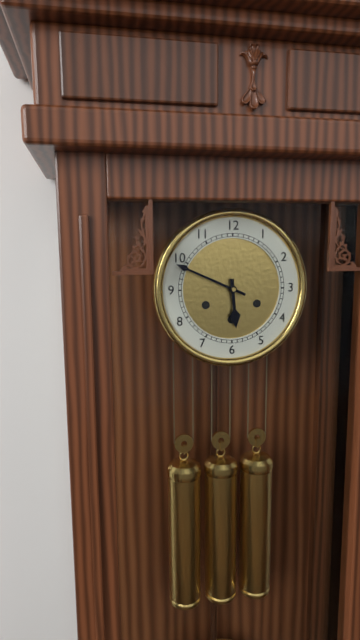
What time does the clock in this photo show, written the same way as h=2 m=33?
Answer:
h=5 m=49
